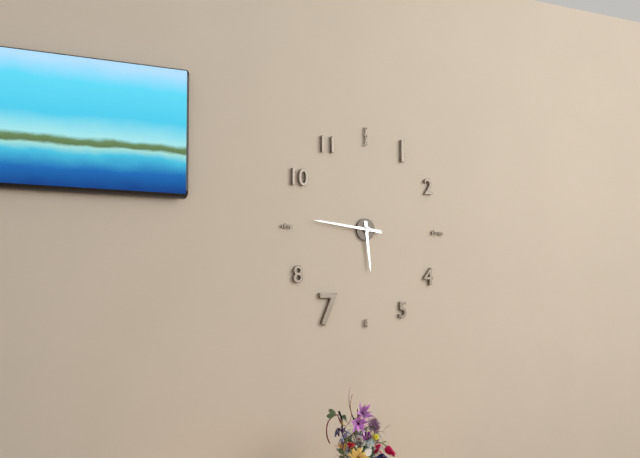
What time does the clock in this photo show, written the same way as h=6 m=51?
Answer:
h=5 m=46
